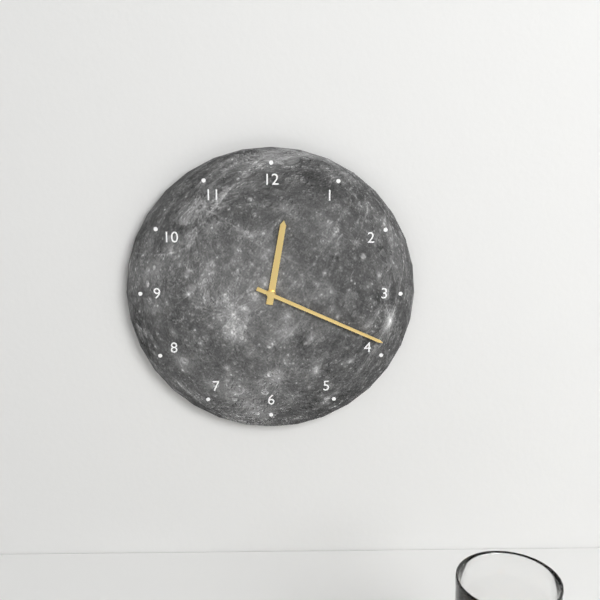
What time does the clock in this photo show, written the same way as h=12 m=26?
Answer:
h=12 m=19
